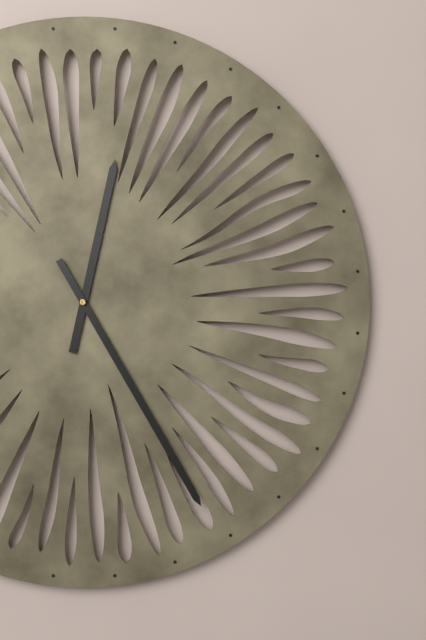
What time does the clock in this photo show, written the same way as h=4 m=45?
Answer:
h=12 m=25
